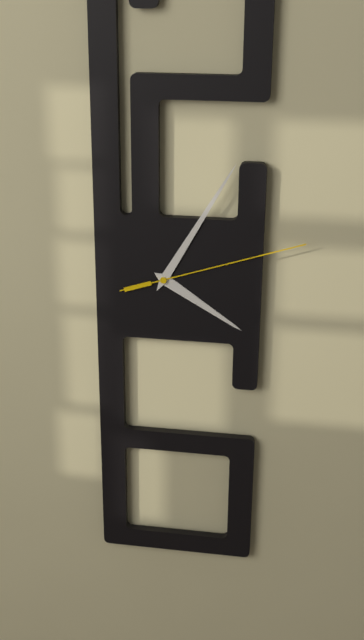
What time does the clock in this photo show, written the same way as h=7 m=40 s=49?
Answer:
h=4 m=5 s=12
